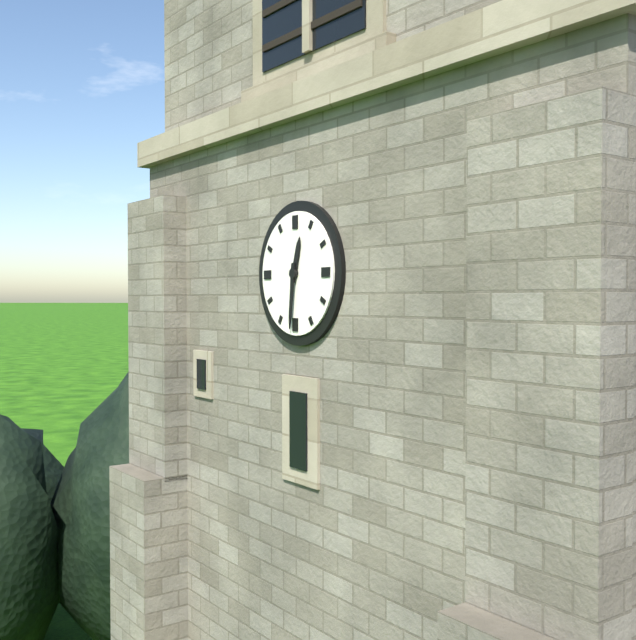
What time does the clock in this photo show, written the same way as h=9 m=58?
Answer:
h=12 m=31
